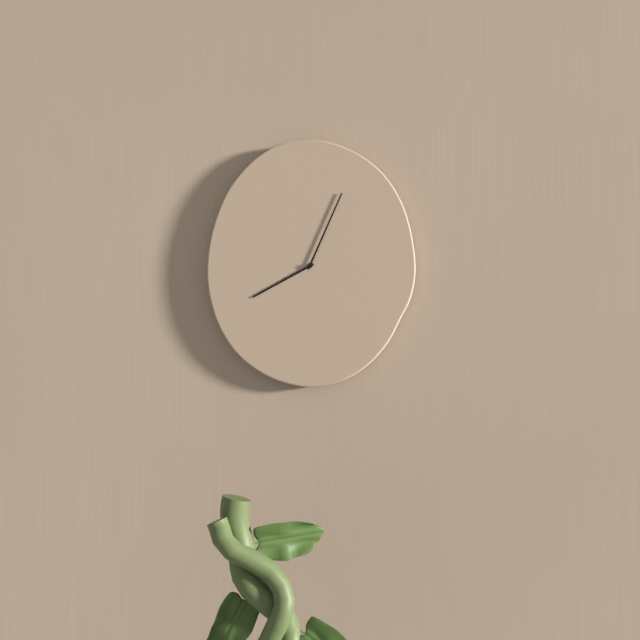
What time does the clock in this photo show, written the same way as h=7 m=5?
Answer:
h=8 m=4
